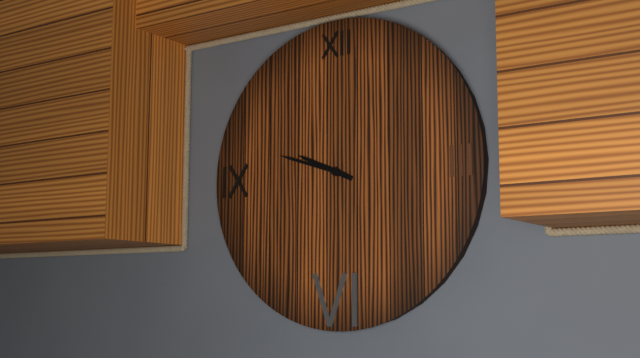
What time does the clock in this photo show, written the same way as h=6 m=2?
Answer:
h=9 m=48
